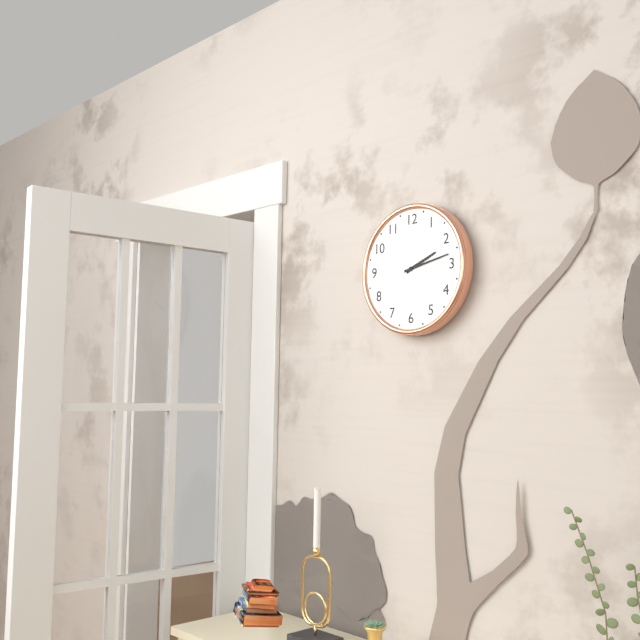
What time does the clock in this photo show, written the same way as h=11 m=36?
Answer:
h=2 m=13
